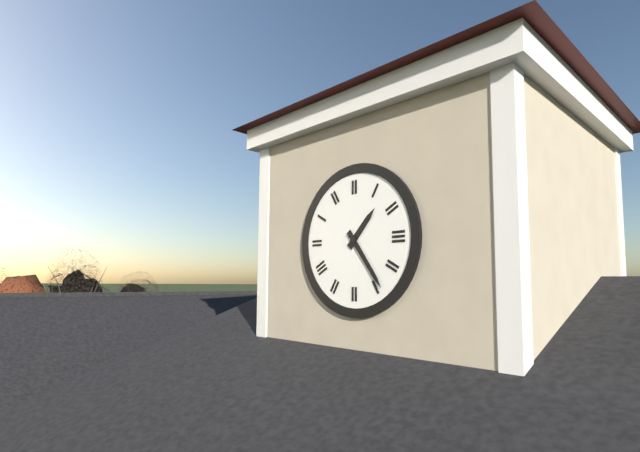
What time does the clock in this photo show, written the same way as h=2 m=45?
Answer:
h=1 m=24
